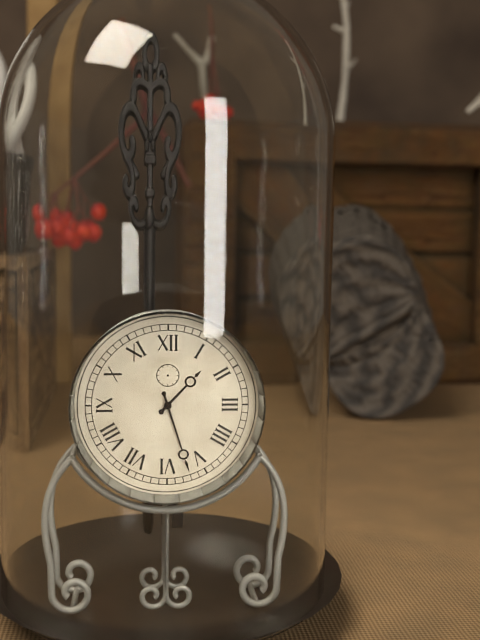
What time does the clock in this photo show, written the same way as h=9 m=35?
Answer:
h=1 m=27
